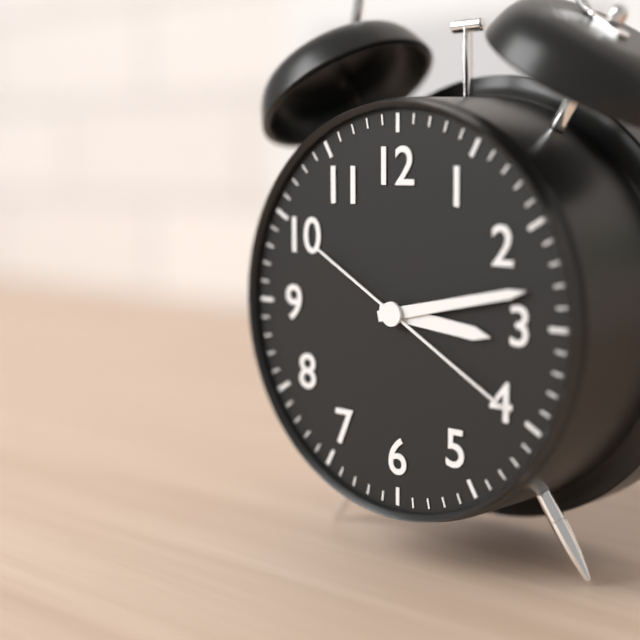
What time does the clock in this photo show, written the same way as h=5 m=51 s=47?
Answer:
h=3 m=13 s=20
